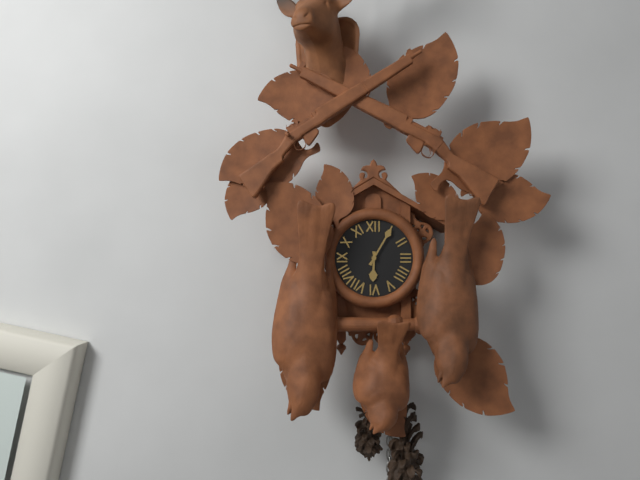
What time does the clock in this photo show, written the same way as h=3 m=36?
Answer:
h=6 m=5
